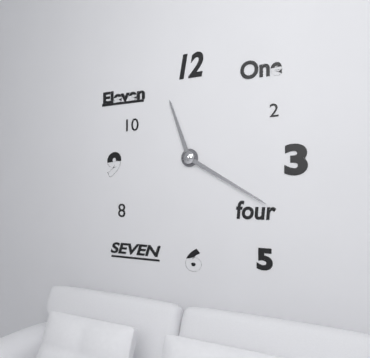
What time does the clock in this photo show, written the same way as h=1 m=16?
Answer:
h=11 m=20
